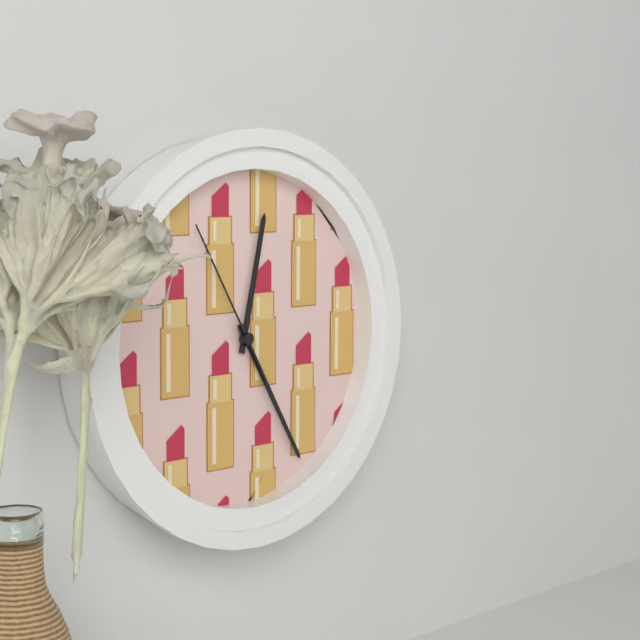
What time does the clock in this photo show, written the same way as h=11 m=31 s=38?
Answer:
h=12 m=25 s=55
